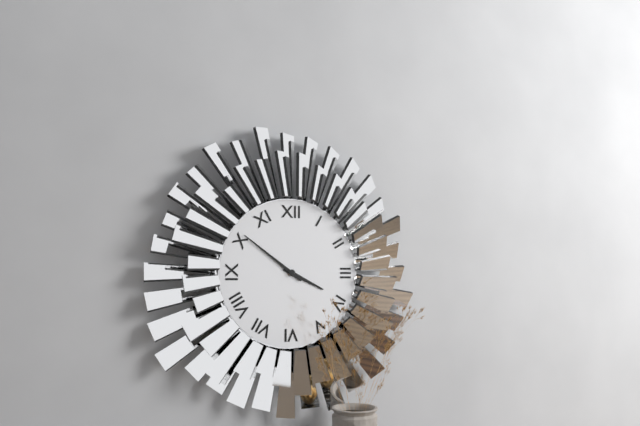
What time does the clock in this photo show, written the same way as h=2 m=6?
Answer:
h=3 m=51
